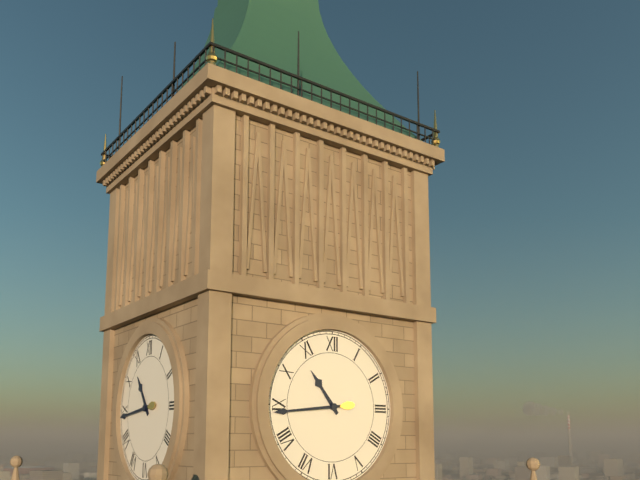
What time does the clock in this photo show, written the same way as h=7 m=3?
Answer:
h=10 m=44
